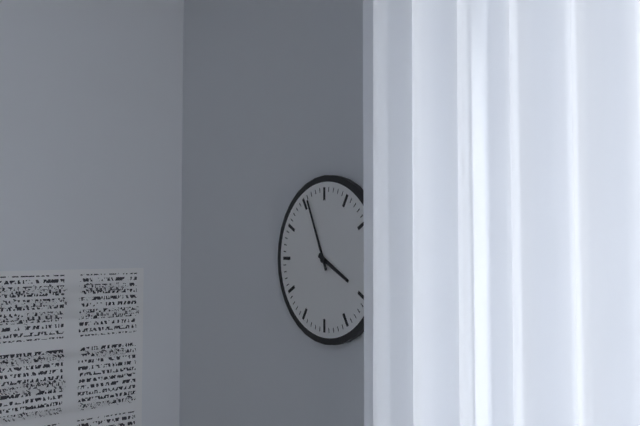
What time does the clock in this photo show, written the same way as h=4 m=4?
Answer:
h=3 m=56
